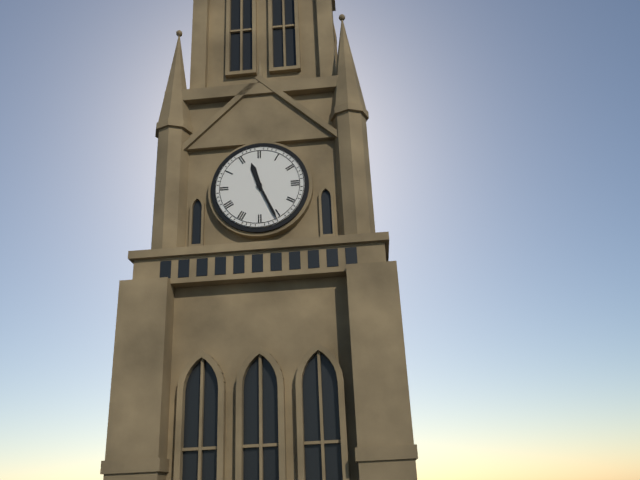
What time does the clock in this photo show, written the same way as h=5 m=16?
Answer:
h=11 m=26
